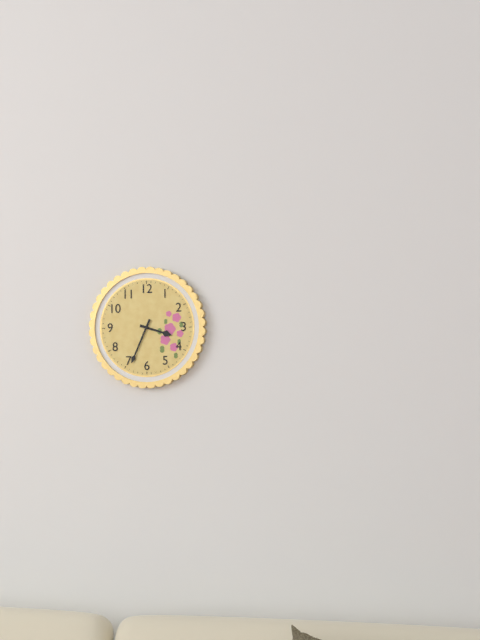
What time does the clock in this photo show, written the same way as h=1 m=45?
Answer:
h=3 m=34
